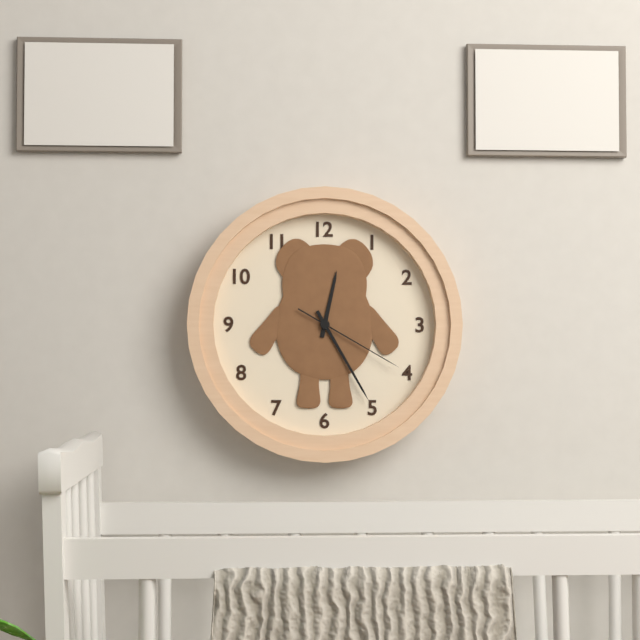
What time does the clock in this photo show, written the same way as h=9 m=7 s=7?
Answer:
h=12 m=25 s=20
